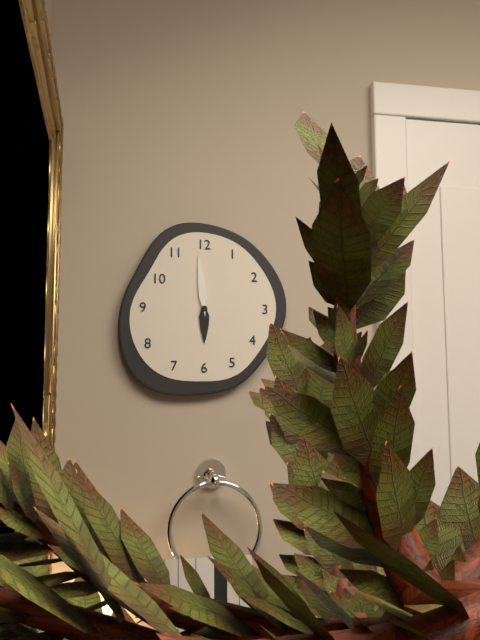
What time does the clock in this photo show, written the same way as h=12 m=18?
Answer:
h=5 m=59
